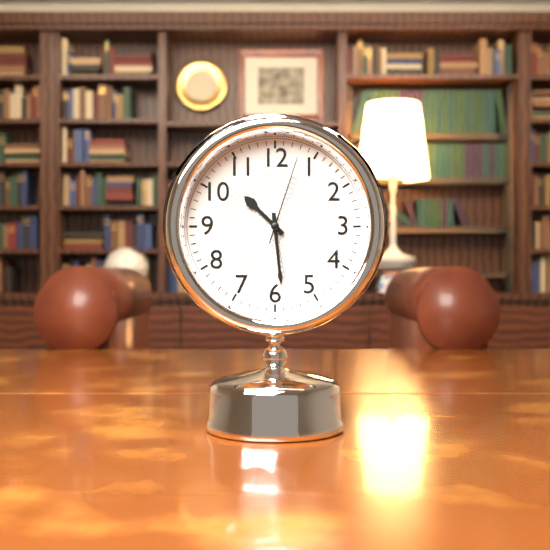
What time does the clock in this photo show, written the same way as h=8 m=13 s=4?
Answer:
h=10 m=29 s=3
